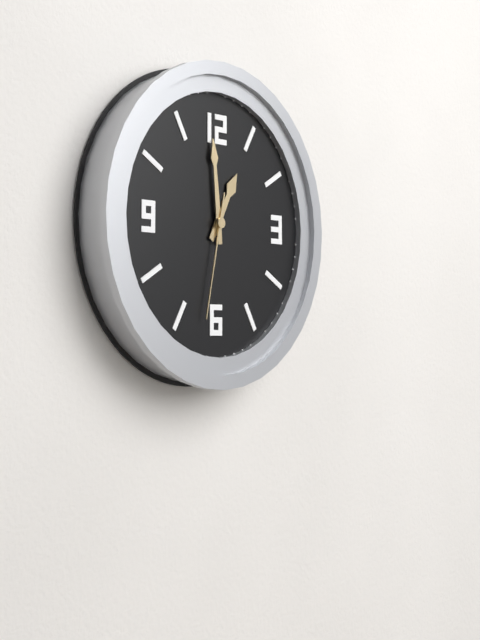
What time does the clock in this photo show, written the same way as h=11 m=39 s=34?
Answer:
h=12 m=59 s=32
